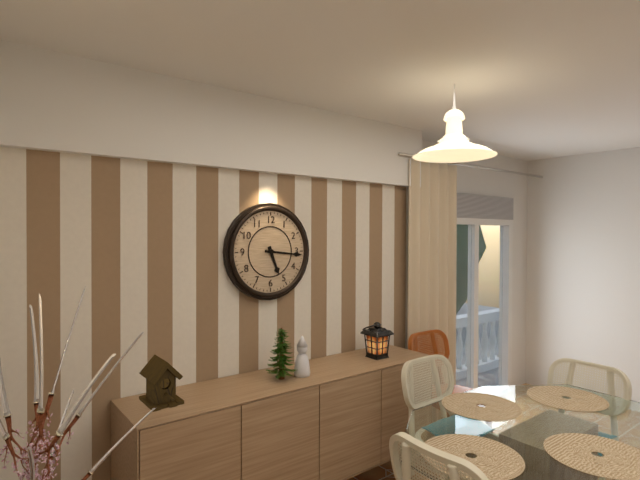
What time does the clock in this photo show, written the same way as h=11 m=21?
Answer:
h=5 m=16
